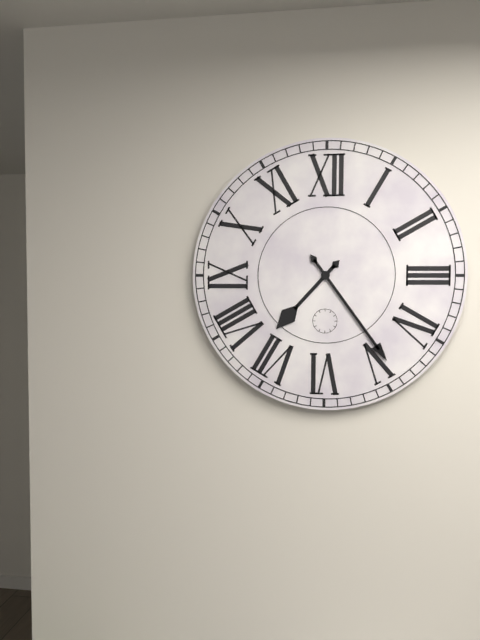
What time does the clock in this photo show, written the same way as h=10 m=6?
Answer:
h=7 m=24
